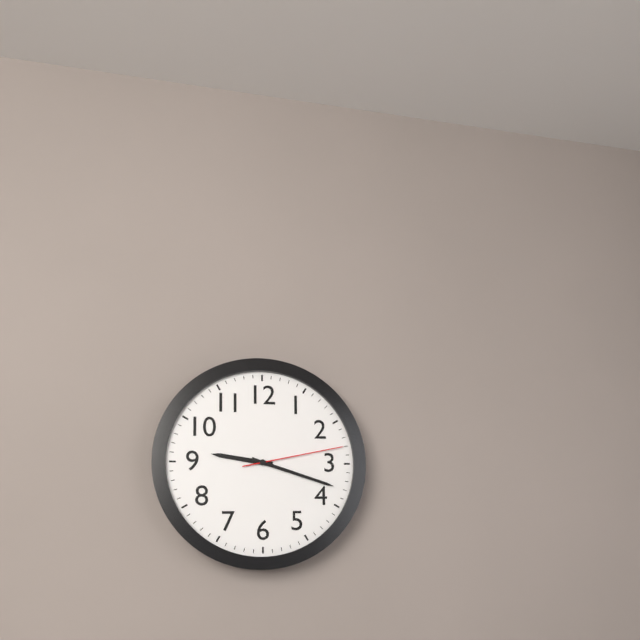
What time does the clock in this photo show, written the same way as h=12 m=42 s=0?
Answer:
h=9 m=18 s=13
